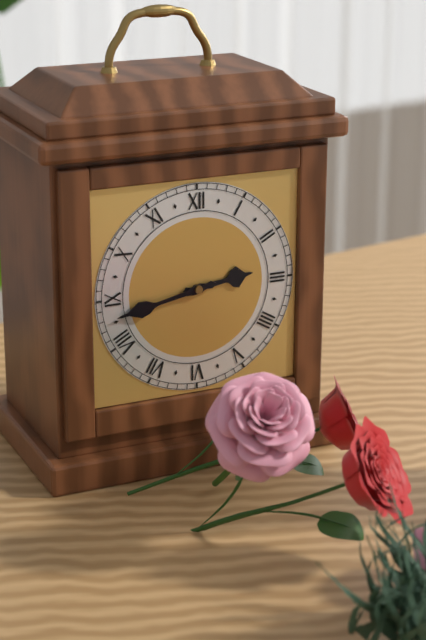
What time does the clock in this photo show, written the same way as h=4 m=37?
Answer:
h=2 m=43
